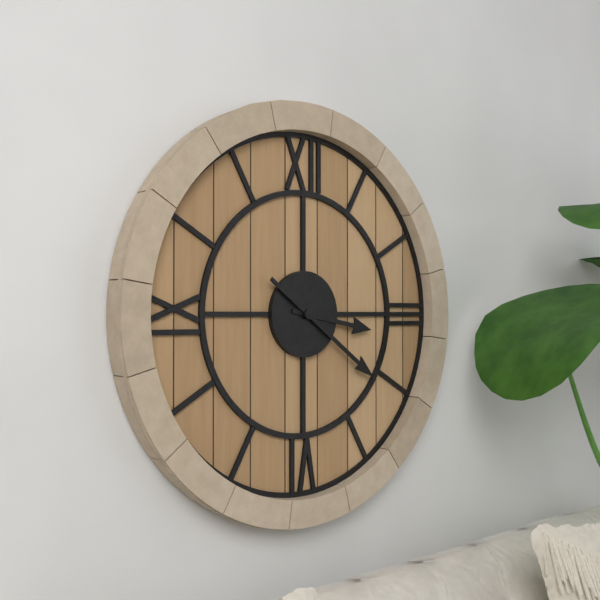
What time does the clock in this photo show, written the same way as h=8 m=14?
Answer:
h=3 m=21
